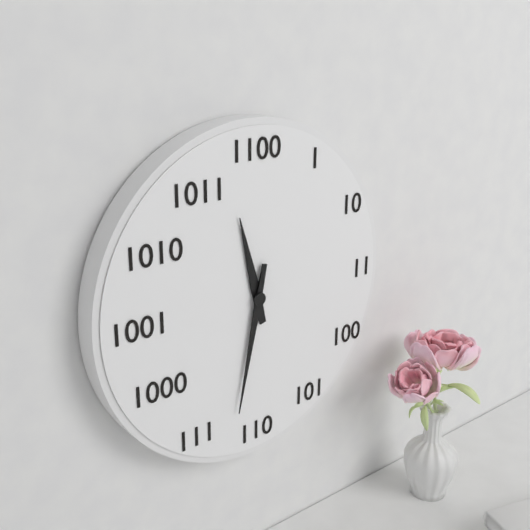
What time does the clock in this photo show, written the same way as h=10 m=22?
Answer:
h=11 m=32
